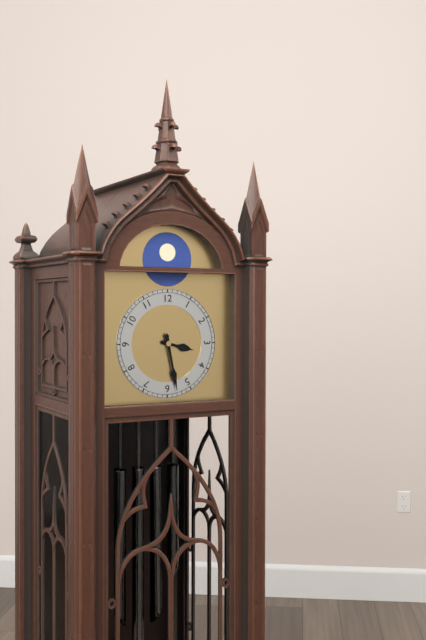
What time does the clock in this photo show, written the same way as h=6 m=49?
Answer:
h=3 m=28
